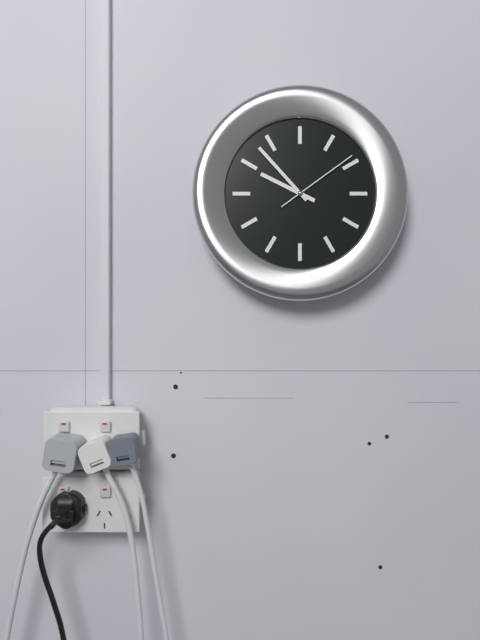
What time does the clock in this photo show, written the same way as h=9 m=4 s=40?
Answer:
h=9 m=53 s=9
